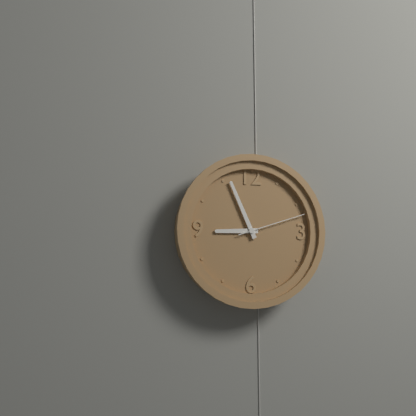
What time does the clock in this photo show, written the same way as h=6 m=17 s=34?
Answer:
h=8 m=56 s=12
